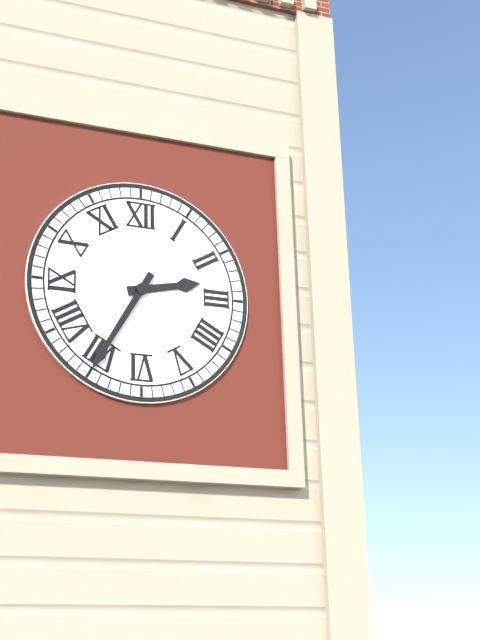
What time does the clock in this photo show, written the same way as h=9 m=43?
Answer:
h=2 m=35
